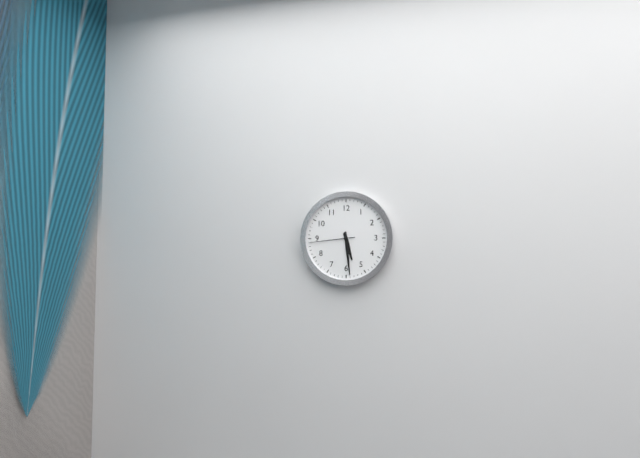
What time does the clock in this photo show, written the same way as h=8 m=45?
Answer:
h=5 m=29
